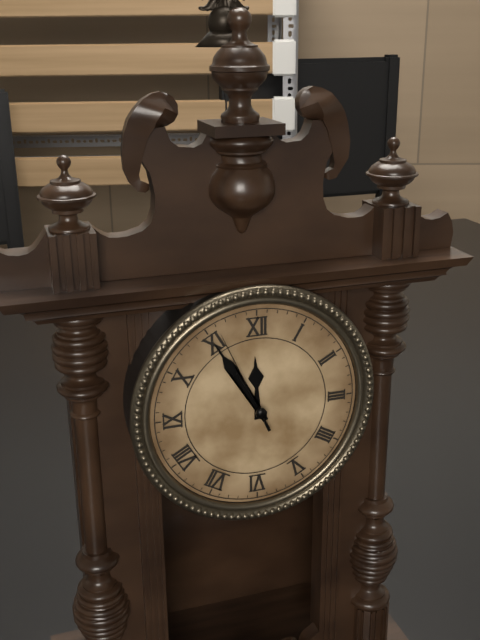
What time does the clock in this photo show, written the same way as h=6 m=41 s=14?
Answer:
h=11 m=55 s=56
